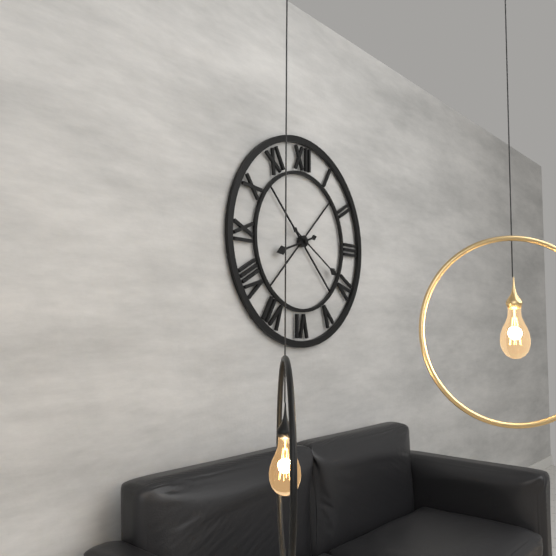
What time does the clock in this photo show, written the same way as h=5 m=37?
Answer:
h=8 m=20
